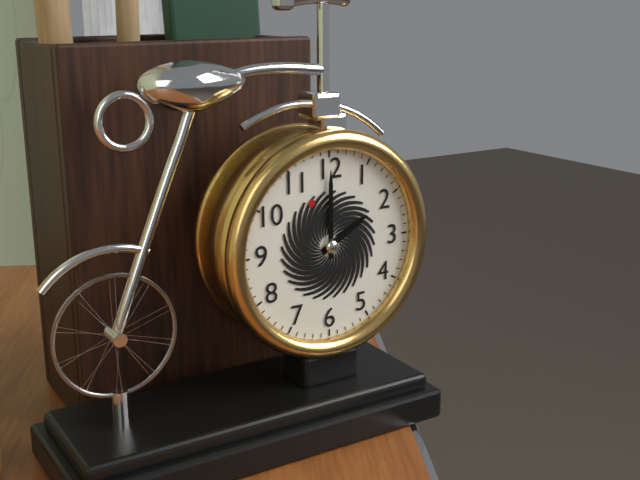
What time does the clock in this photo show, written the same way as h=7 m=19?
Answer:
h=2 m=0
